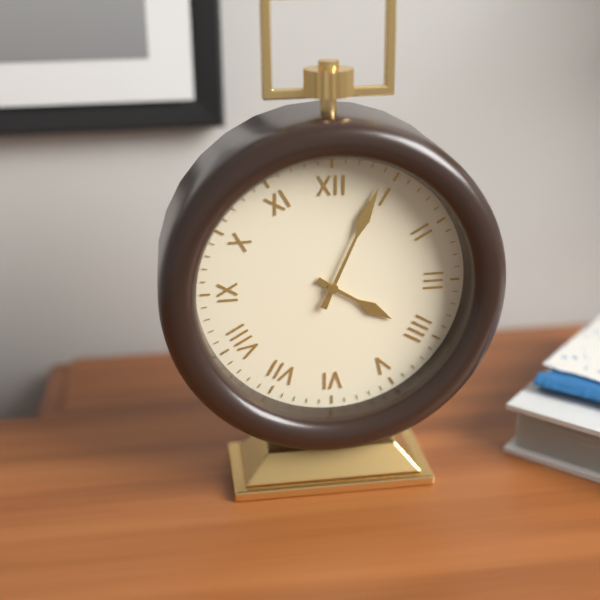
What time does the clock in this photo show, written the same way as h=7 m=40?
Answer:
h=4 m=4
